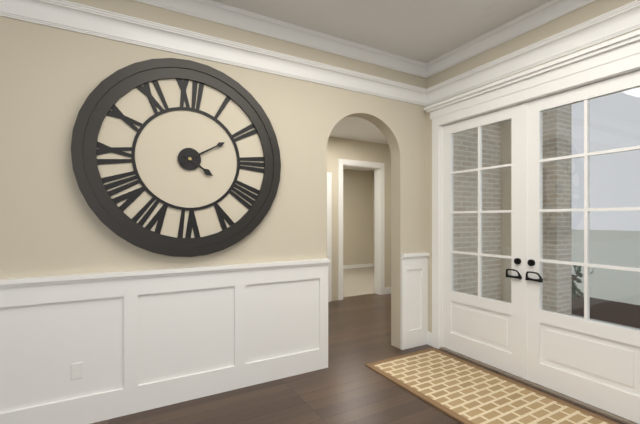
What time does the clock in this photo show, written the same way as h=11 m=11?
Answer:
h=4 m=10
